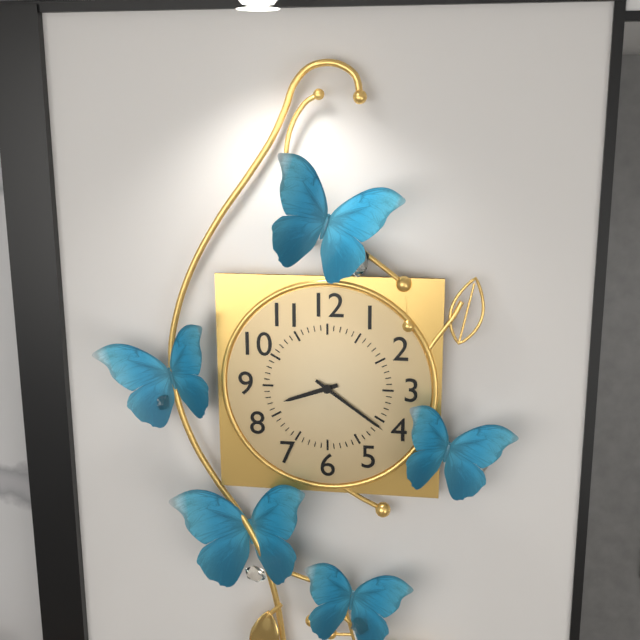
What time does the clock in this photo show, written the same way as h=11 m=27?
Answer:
h=8 m=21
